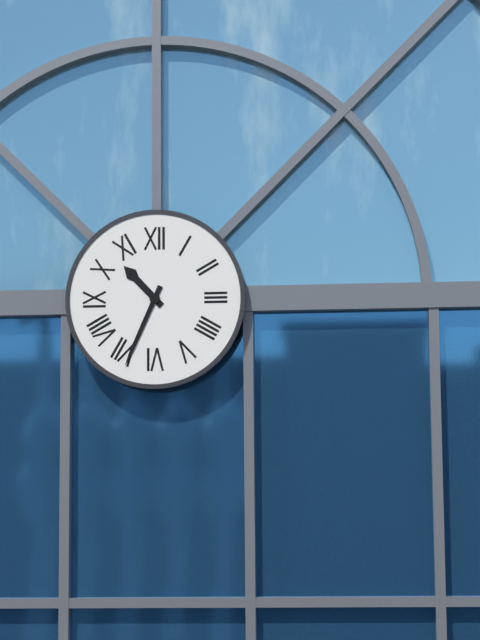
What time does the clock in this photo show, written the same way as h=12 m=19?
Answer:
h=10 m=34
